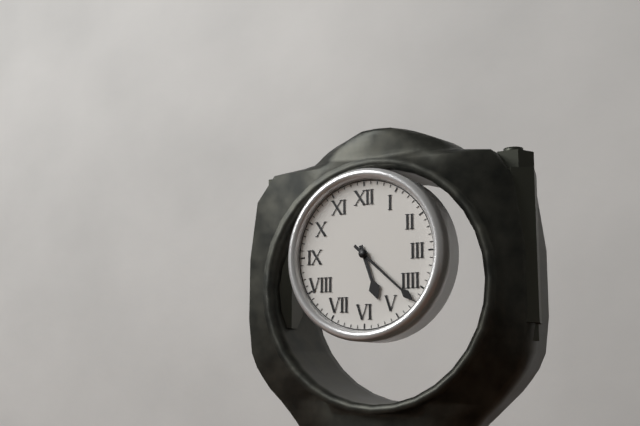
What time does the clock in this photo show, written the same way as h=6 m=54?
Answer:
h=5 m=22
